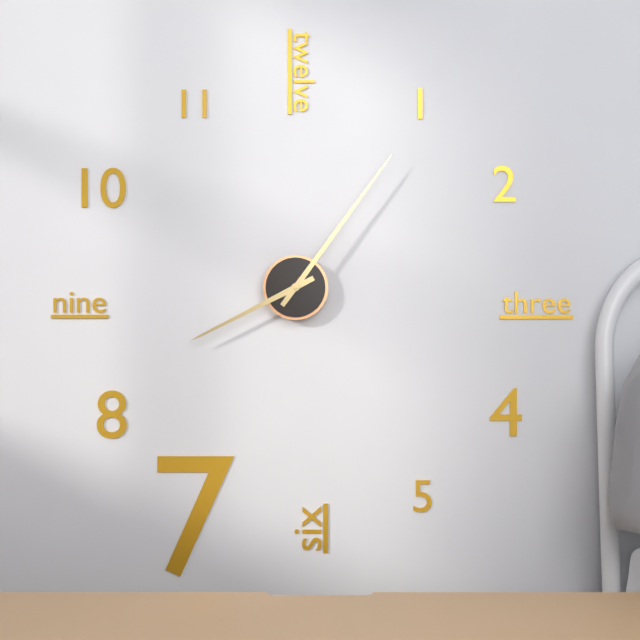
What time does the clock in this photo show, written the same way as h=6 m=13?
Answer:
h=8 m=6
